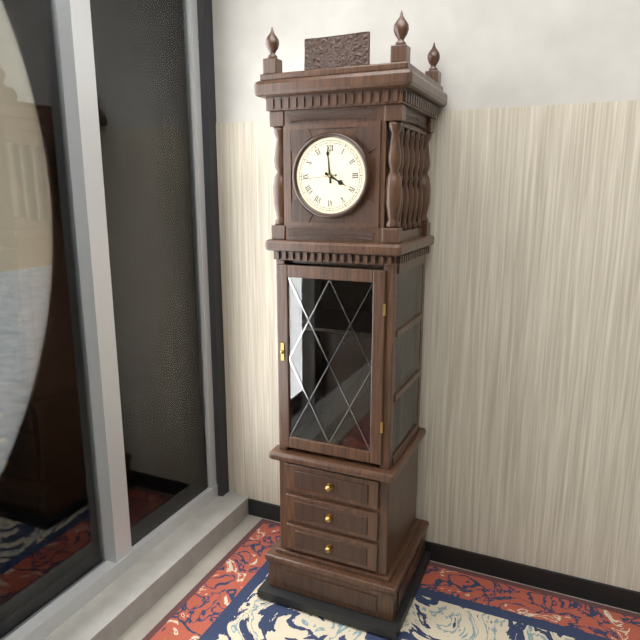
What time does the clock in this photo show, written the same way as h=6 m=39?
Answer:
h=3 m=59
